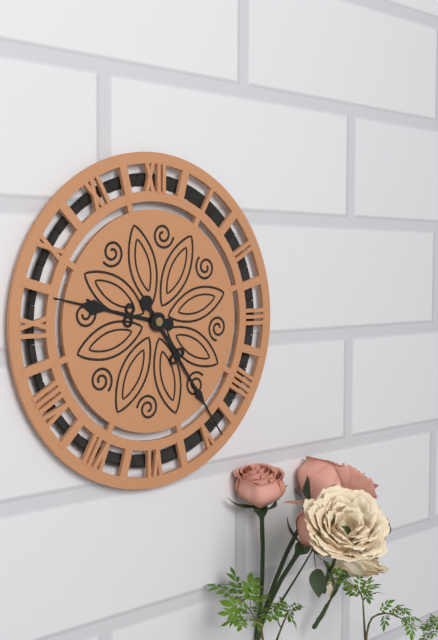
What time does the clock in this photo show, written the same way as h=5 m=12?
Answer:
h=9 m=24
